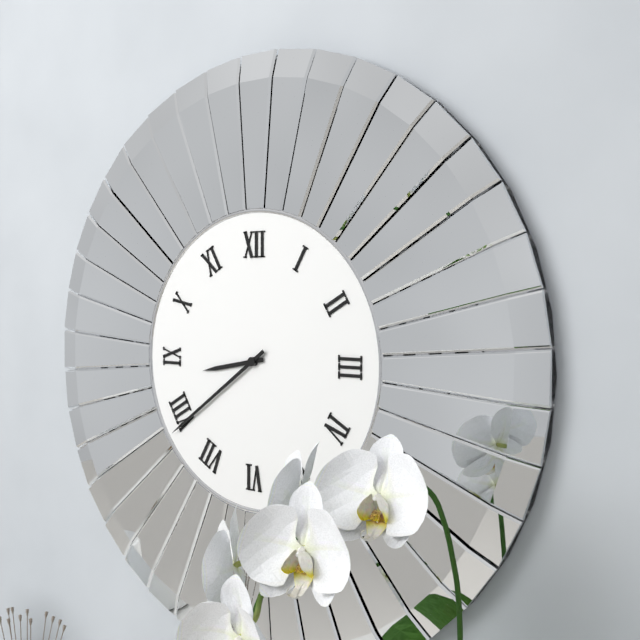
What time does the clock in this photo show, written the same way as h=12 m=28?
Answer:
h=8 m=39
